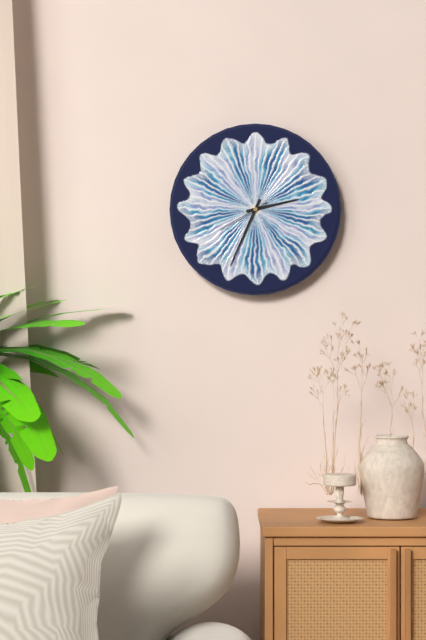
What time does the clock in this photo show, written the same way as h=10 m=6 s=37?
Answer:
h=2 m=34 s=40
